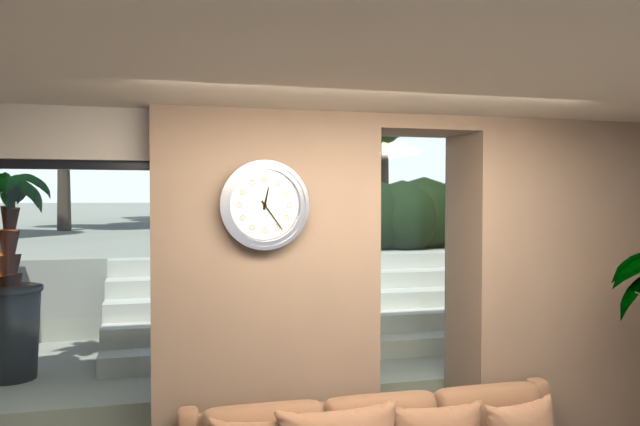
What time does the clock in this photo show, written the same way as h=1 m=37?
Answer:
h=12 m=24
